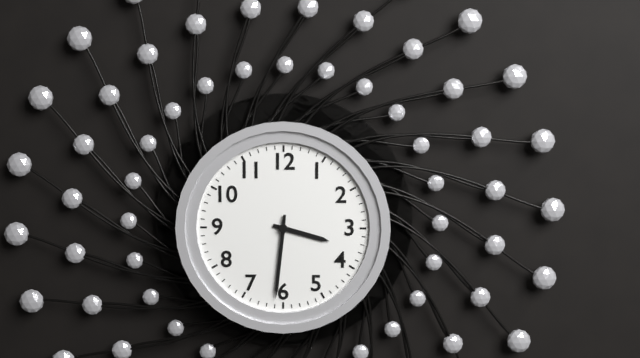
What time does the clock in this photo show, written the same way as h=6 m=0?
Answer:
h=3 m=31
